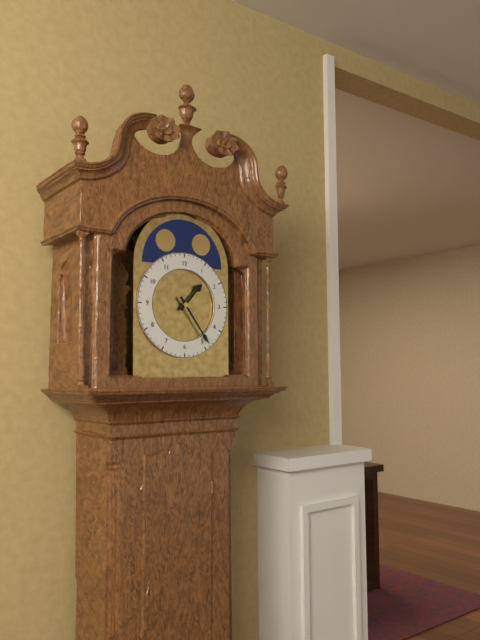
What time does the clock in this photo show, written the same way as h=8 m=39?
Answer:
h=1 m=24
